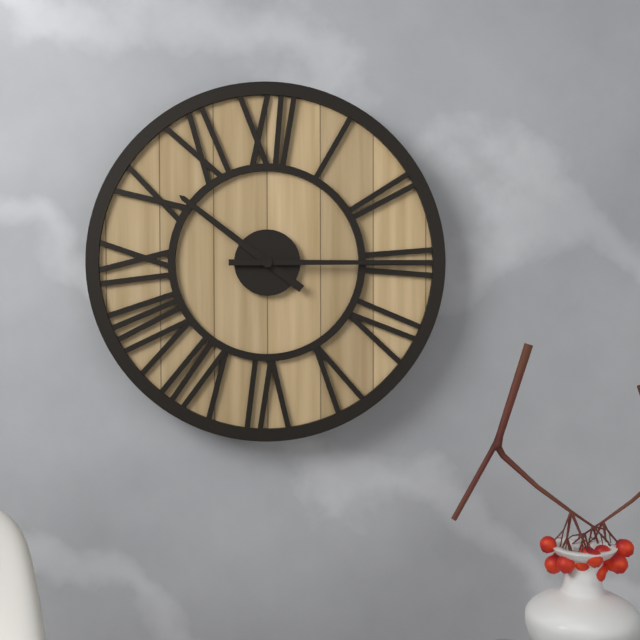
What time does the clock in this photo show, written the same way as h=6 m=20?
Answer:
h=10 m=15
